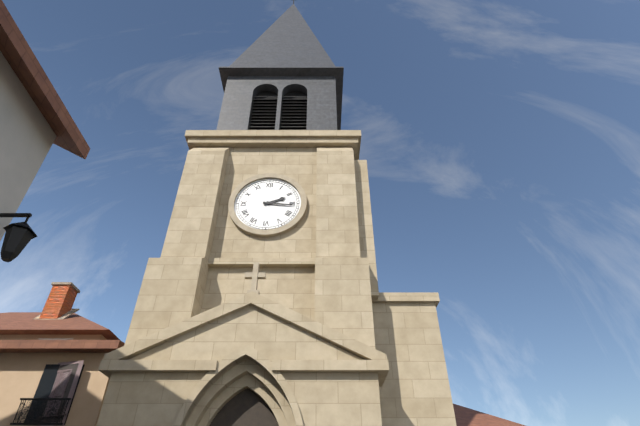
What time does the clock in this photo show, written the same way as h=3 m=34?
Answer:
h=2 m=16
